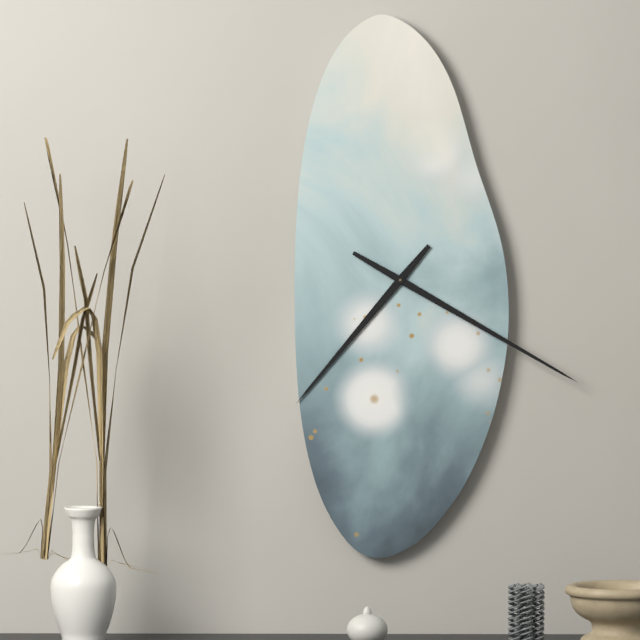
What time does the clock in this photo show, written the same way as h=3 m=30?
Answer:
h=7 m=20
